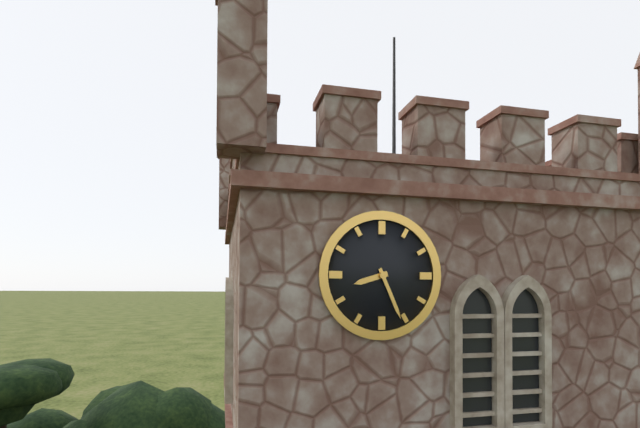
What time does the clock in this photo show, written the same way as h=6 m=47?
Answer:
h=8 m=26
